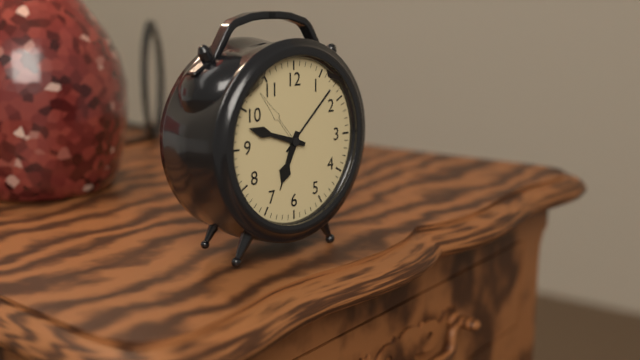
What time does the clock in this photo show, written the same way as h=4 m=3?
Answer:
h=6 m=48
